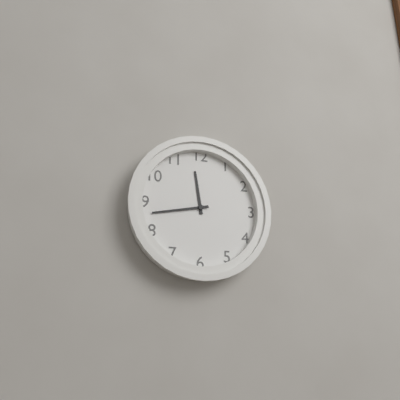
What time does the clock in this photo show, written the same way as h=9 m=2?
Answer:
h=11 m=43
